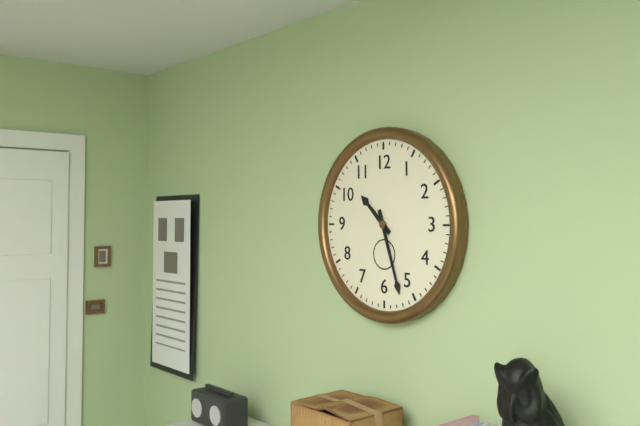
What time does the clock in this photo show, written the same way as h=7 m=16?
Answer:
h=10 m=27
